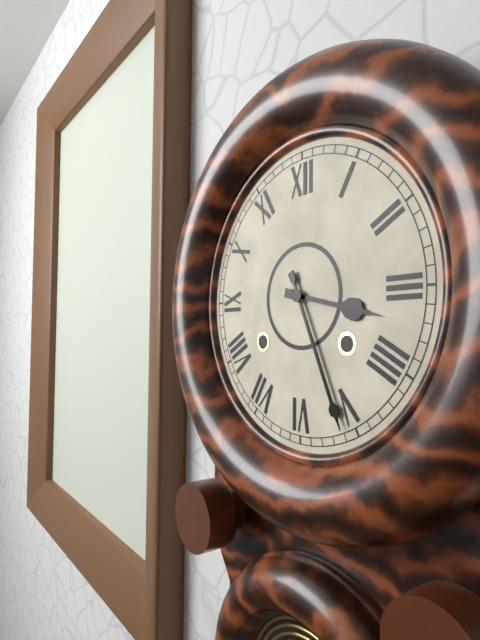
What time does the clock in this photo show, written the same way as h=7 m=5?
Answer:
h=3 m=26
